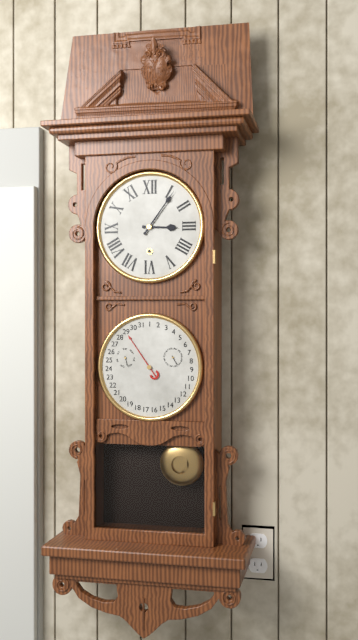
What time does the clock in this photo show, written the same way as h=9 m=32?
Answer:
h=3 m=6
